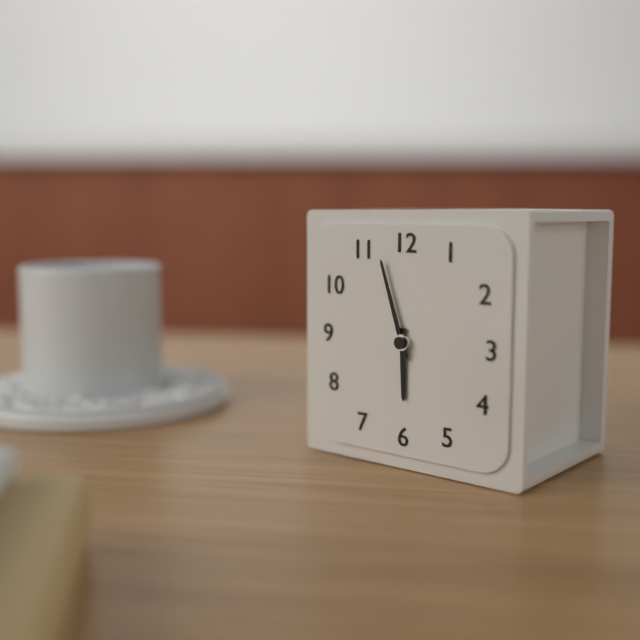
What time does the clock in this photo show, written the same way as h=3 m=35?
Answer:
h=5 m=57
